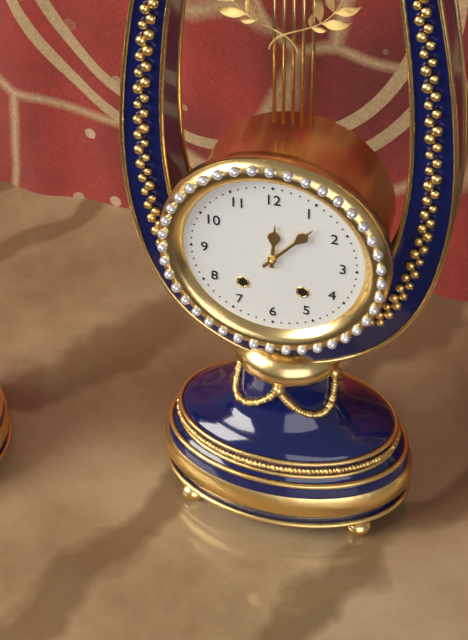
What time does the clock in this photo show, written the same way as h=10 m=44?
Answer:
h=12 m=7
